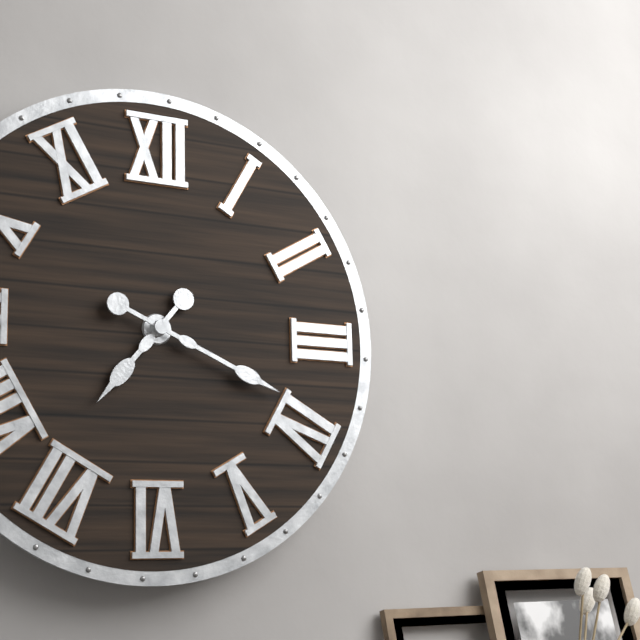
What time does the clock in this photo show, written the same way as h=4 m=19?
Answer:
h=7 m=19
